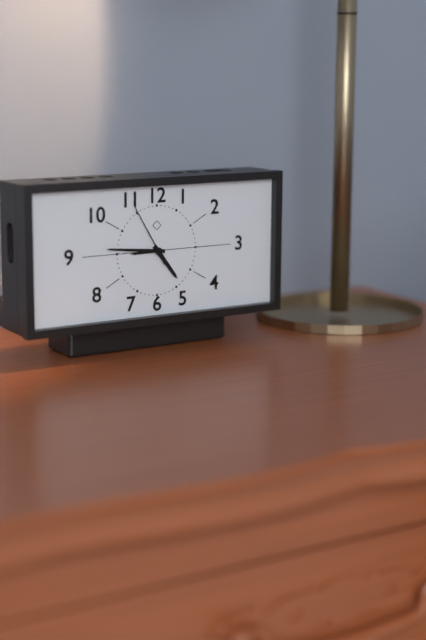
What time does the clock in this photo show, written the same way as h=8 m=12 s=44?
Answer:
h=4 m=46 s=55
